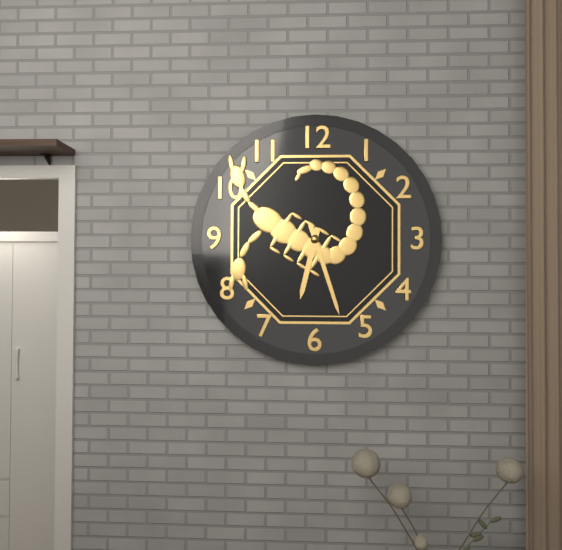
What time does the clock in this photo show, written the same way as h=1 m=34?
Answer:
h=6 m=27
